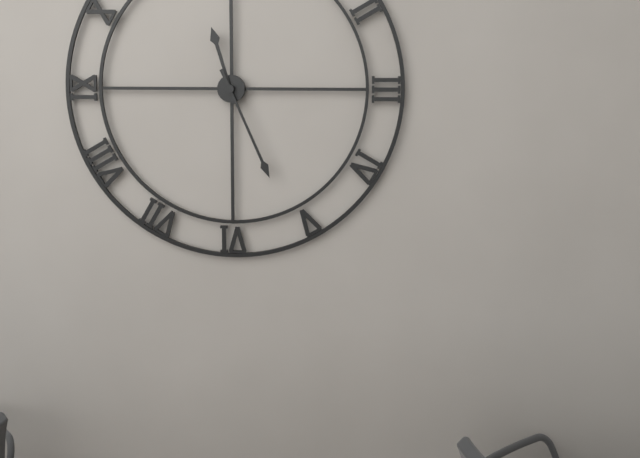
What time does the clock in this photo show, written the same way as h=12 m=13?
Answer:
h=11 m=26
